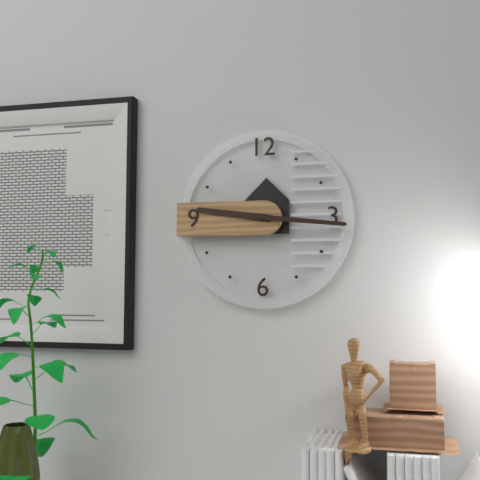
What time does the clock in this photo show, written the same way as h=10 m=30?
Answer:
h=9 m=16
